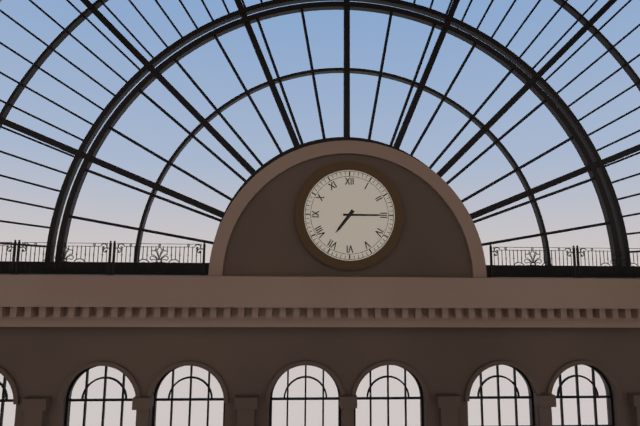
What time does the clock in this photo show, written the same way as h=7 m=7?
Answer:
h=7 m=15
